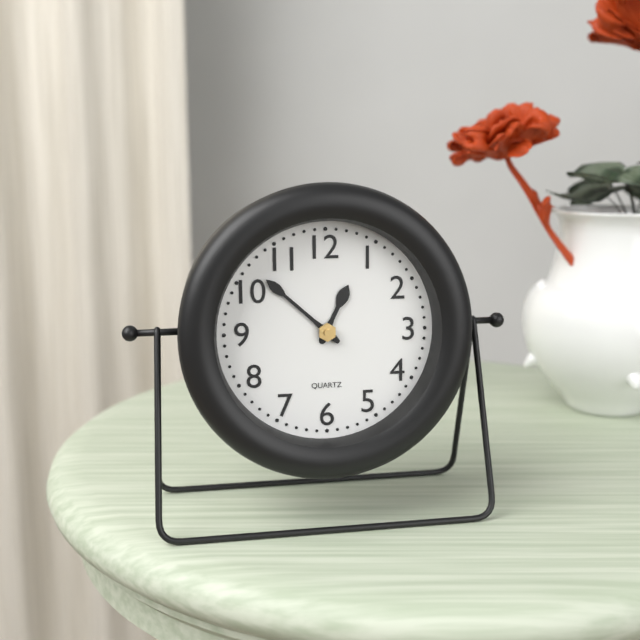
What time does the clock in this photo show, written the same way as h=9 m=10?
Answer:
h=12 m=52
